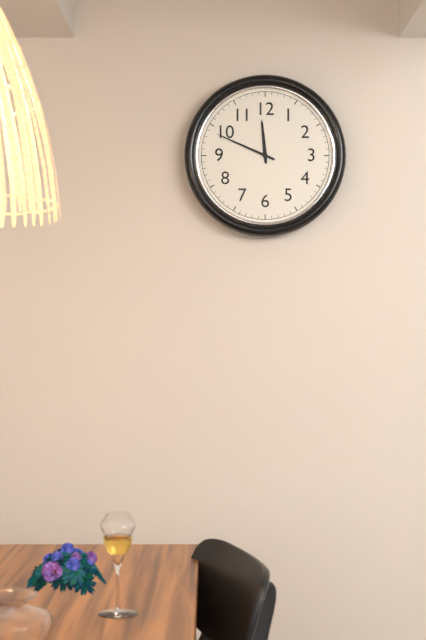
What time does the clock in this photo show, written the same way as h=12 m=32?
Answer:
h=11 m=49
